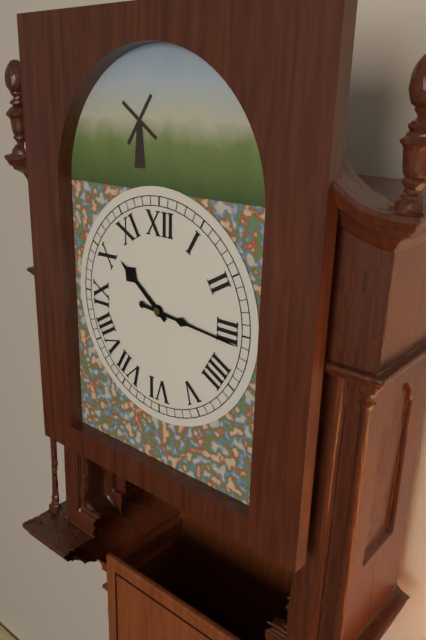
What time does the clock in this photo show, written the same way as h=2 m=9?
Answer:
h=10 m=16
